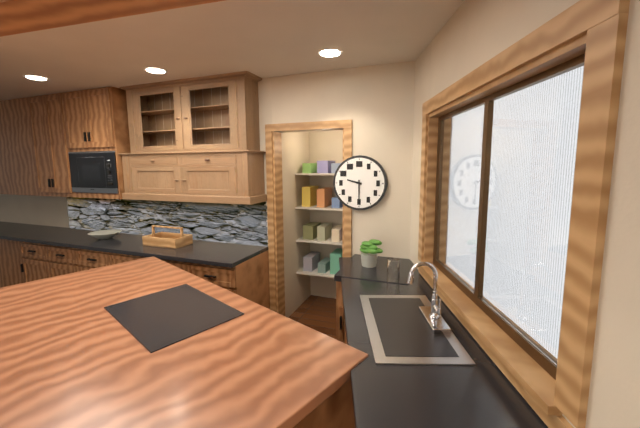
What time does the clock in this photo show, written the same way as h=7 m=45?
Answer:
h=9 m=30
